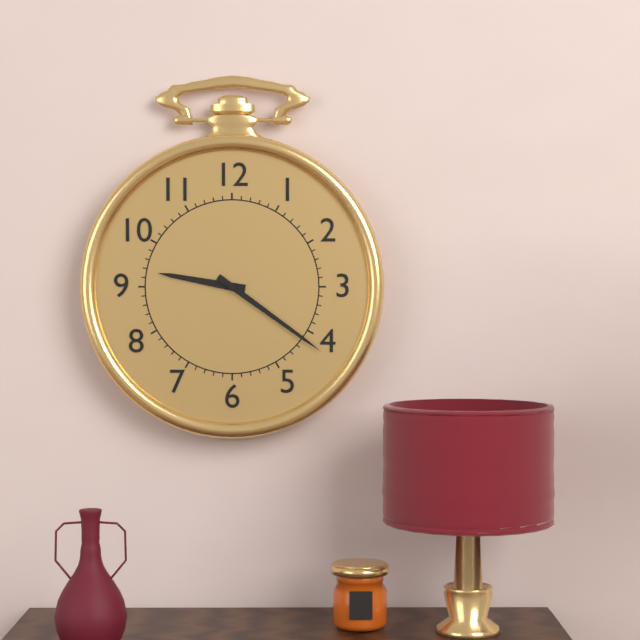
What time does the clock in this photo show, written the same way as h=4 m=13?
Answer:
h=9 m=21
